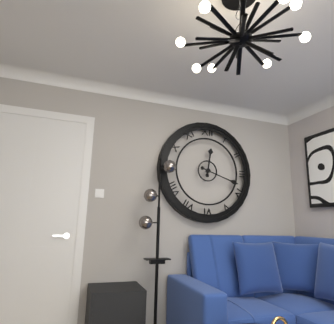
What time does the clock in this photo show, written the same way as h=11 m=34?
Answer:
h=12 m=18
